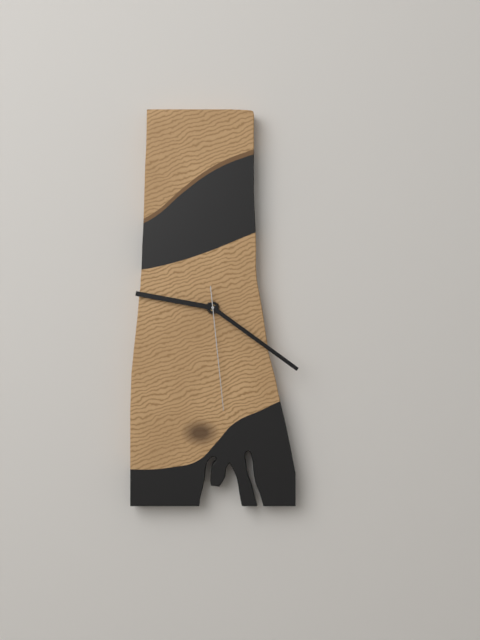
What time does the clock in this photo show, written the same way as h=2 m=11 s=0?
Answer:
h=9 m=21 s=29
